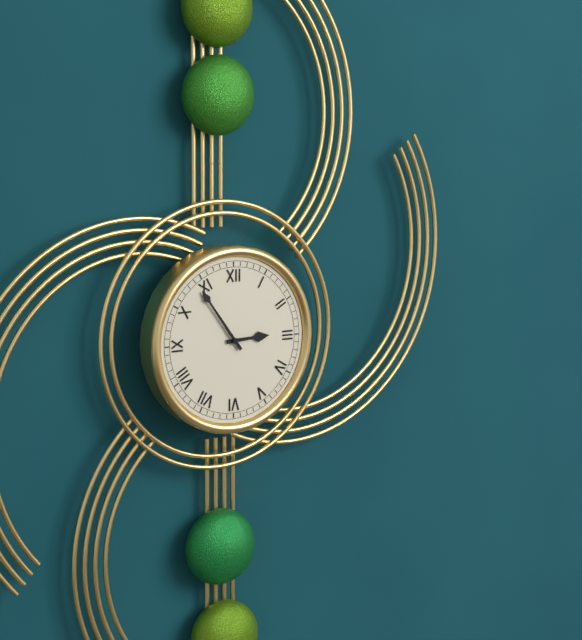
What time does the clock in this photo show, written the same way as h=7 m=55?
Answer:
h=2 m=54
